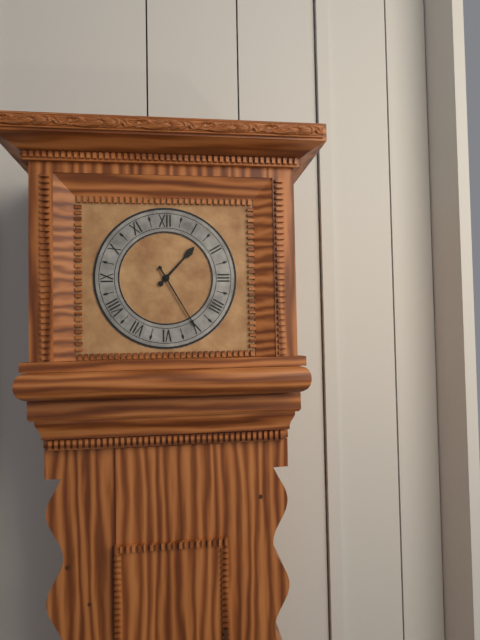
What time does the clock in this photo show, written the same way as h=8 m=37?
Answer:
h=1 m=25
